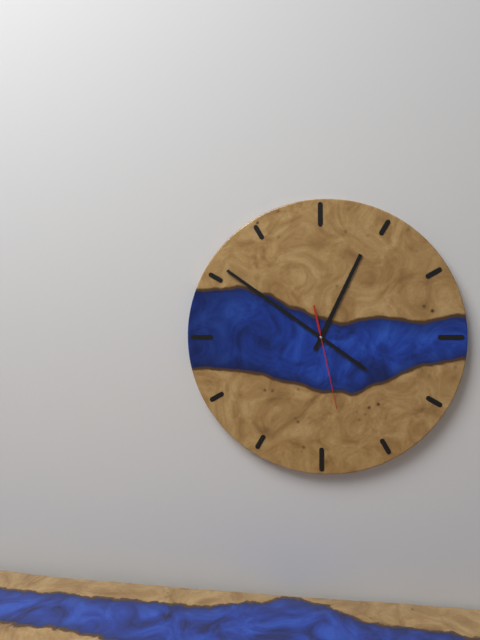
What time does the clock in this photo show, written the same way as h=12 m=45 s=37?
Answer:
h=12 m=51 s=28
